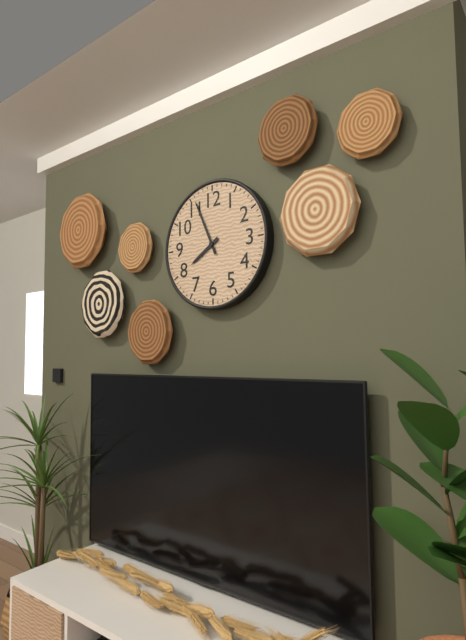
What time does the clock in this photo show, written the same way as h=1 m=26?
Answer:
h=7 m=56
